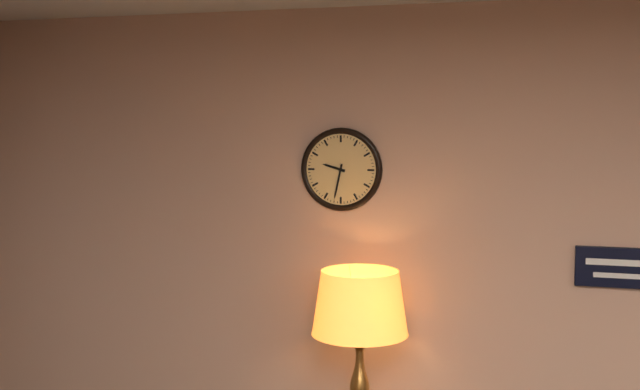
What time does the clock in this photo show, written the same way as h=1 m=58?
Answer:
h=9 m=32
